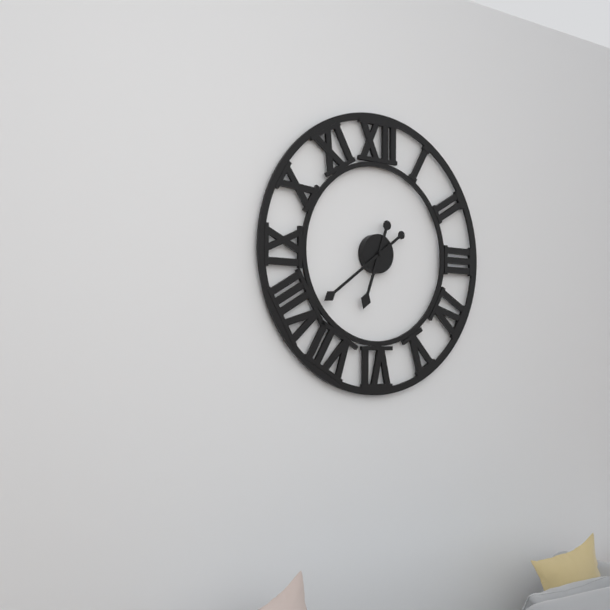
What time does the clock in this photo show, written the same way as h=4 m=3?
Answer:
h=6 m=39
